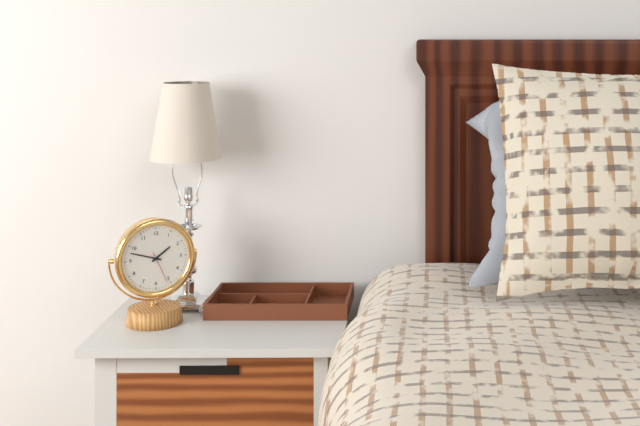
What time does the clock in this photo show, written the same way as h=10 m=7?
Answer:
h=1 m=48
